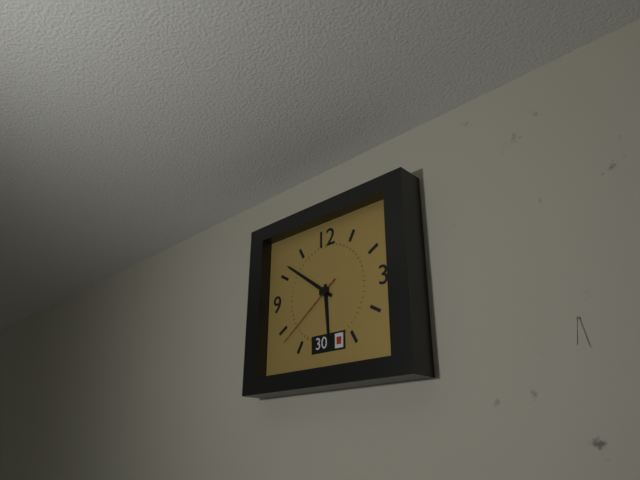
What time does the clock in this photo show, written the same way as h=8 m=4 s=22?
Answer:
h=5 m=51 s=39
